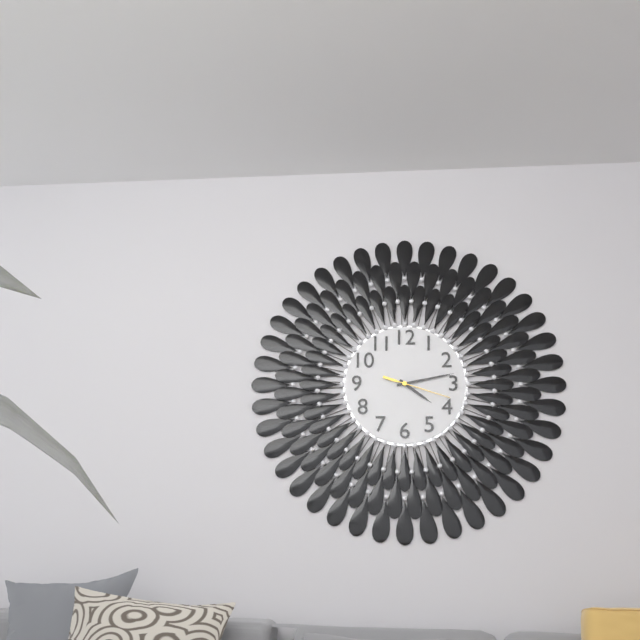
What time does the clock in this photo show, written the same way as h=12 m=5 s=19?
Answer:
h=4 m=13 s=18
